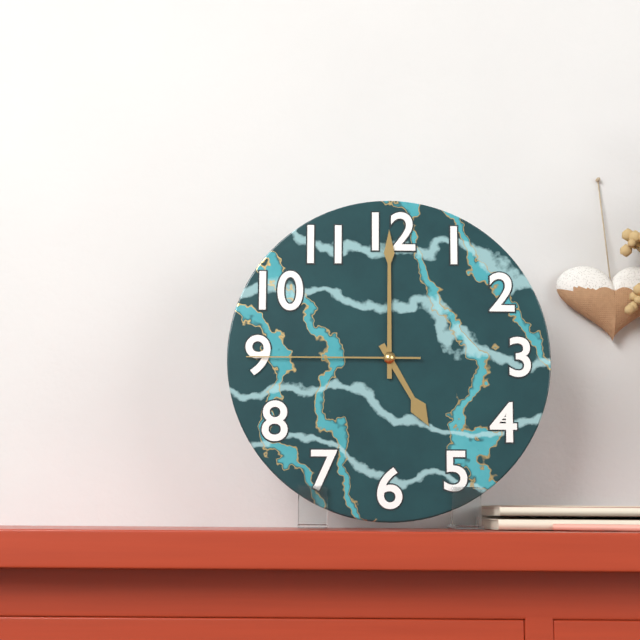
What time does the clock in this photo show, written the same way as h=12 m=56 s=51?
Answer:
h=5 m=0 s=45
